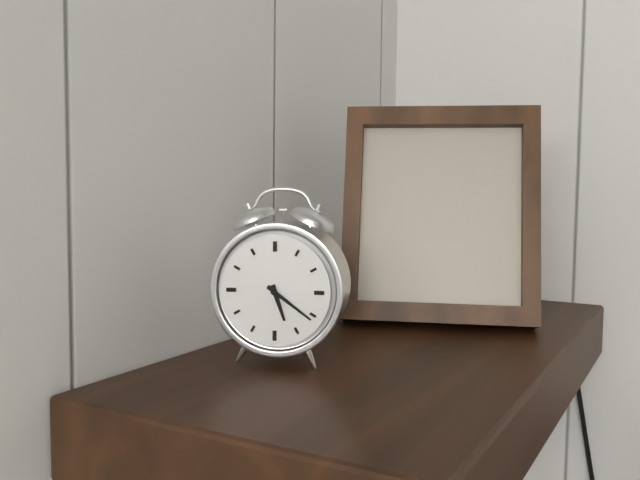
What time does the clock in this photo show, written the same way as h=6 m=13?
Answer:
h=5 m=21
